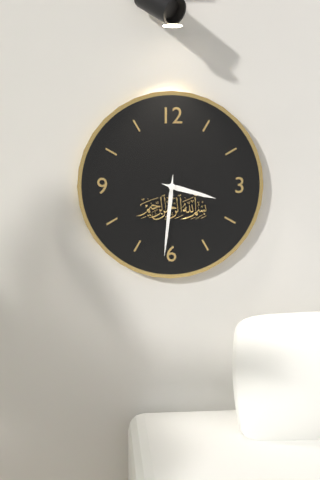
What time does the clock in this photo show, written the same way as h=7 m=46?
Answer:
h=3 m=31
